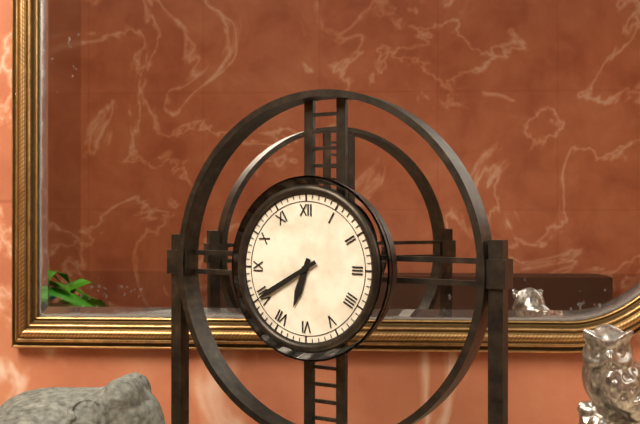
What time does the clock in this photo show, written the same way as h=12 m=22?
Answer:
h=6 m=40
